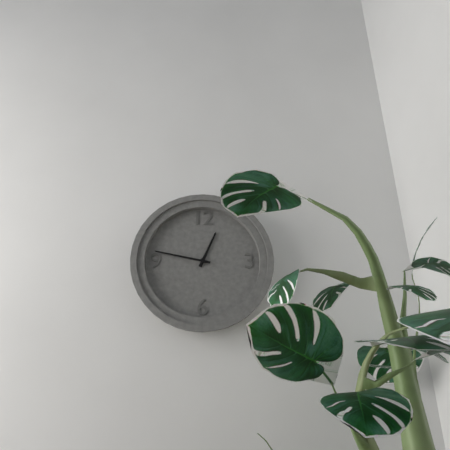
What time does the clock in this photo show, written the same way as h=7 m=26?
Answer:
h=12 m=47
